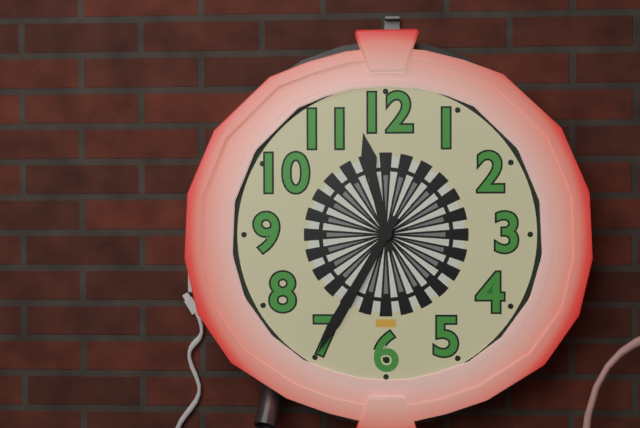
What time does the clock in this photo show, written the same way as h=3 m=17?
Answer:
h=11 m=35
